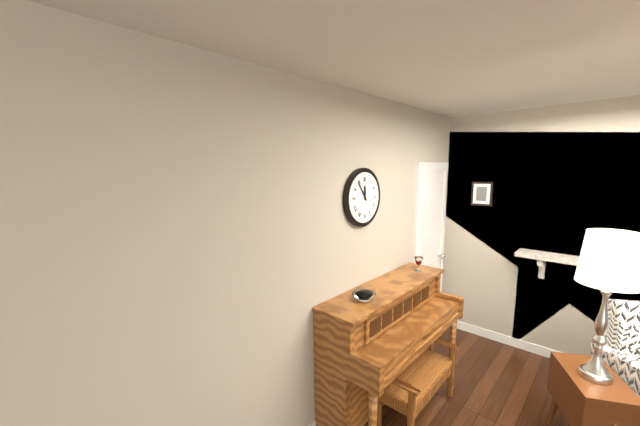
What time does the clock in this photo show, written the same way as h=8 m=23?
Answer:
h=11 m=54
